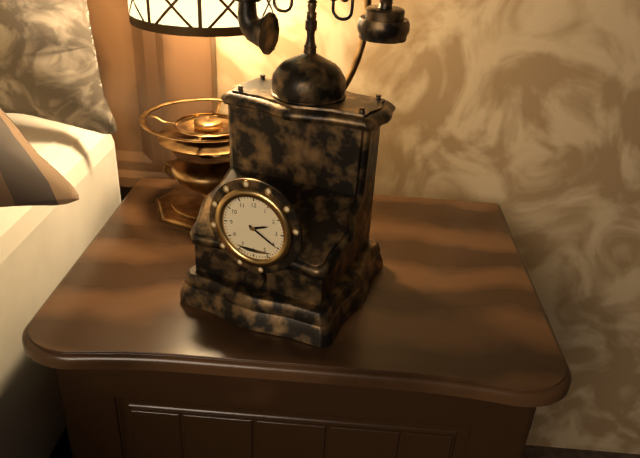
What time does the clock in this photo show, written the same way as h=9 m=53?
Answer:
h=2 m=20
